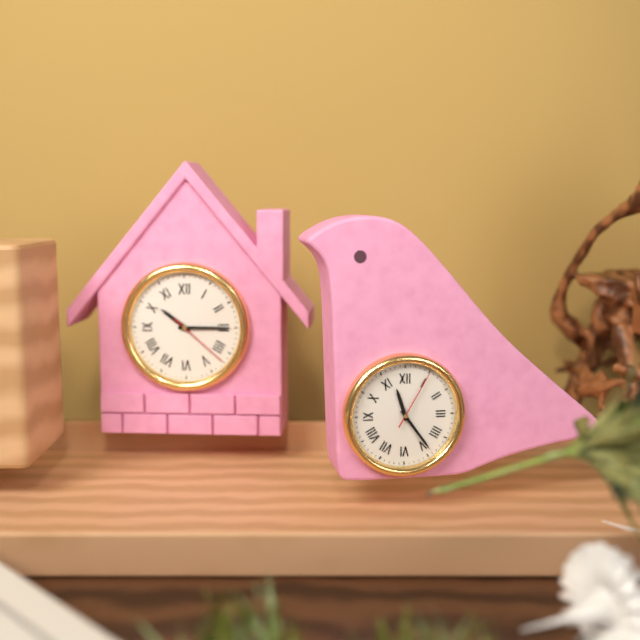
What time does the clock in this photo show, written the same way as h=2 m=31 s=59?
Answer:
h=11 m=24 s=5
